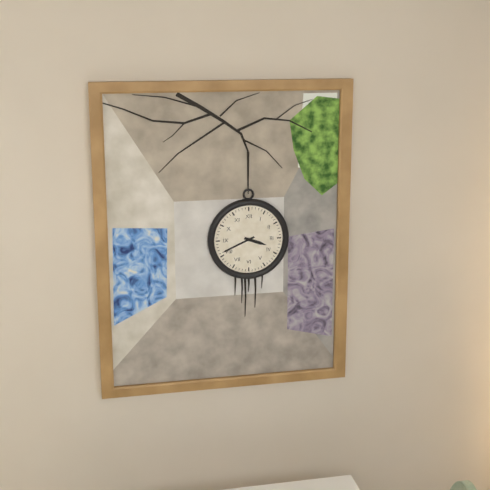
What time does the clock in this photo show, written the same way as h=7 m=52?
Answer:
h=3 m=41
